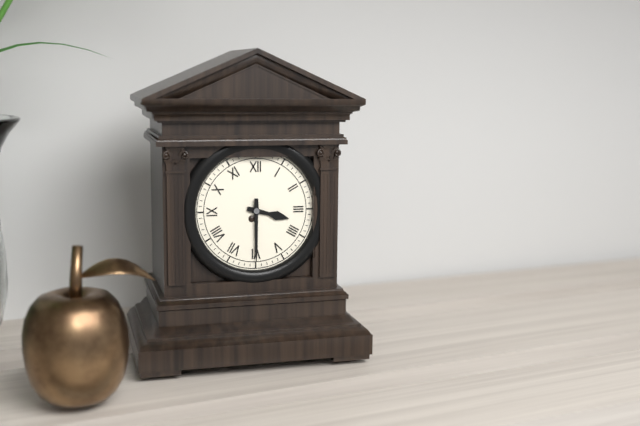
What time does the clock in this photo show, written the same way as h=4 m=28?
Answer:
h=3 m=30
